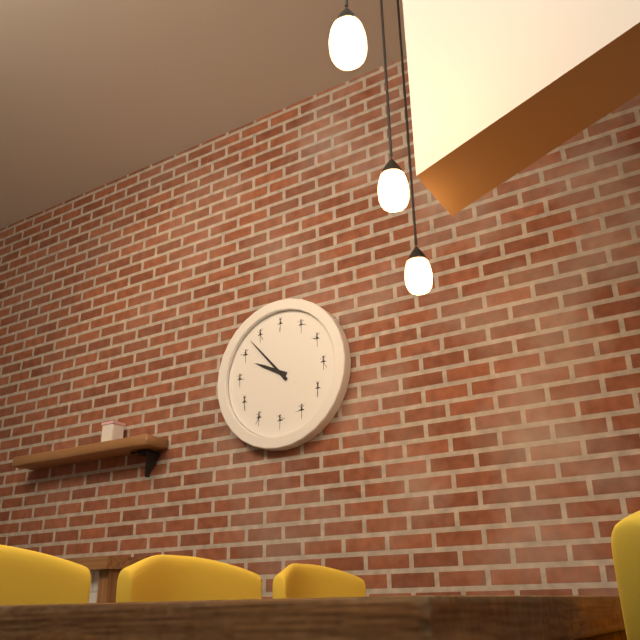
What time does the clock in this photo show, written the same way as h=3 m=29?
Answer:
h=9 m=53
